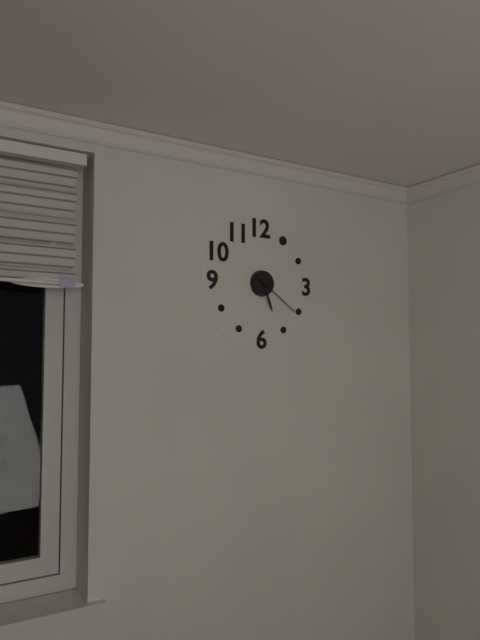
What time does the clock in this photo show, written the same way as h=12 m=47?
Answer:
h=5 m=21
